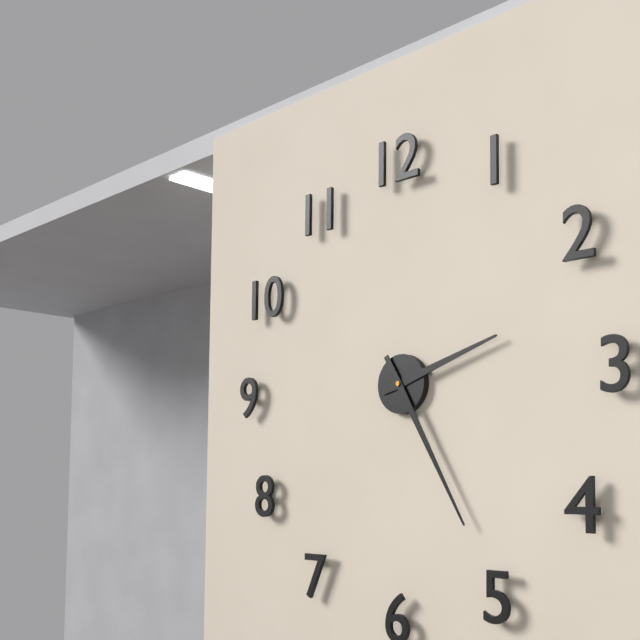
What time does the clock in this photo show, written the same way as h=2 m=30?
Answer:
h=2 m=25
